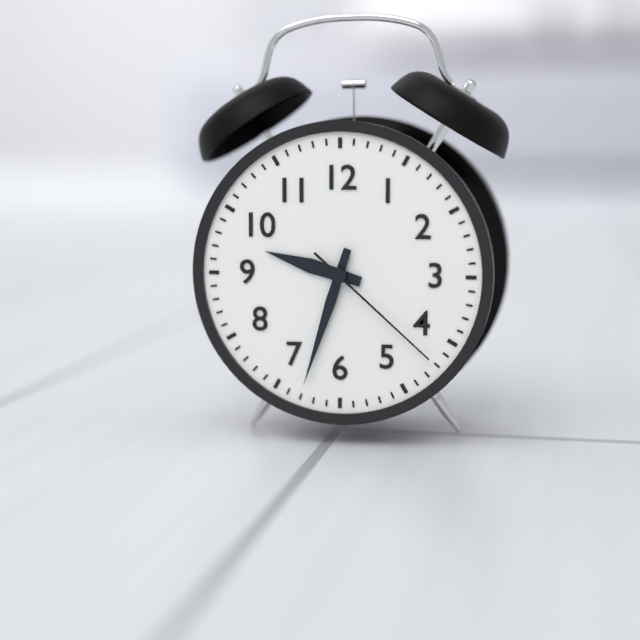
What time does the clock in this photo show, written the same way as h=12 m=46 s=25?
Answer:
h=9 m=33 s=22
